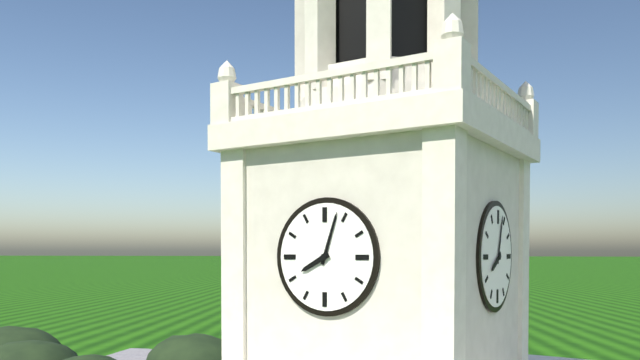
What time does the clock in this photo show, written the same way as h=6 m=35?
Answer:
h=8 m=3
